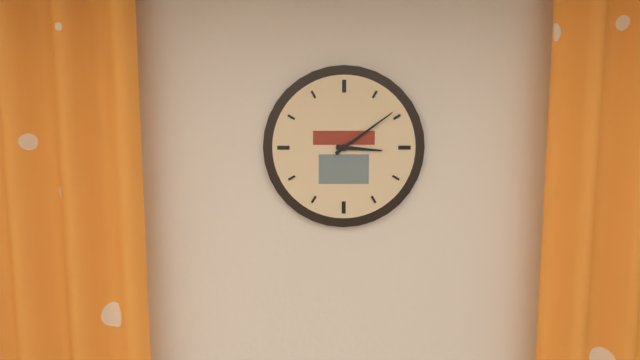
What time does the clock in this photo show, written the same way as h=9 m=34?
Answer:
h=3 m=9
